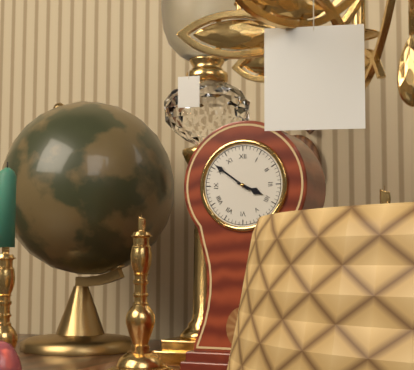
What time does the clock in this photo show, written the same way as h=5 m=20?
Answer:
h=3 m=51
